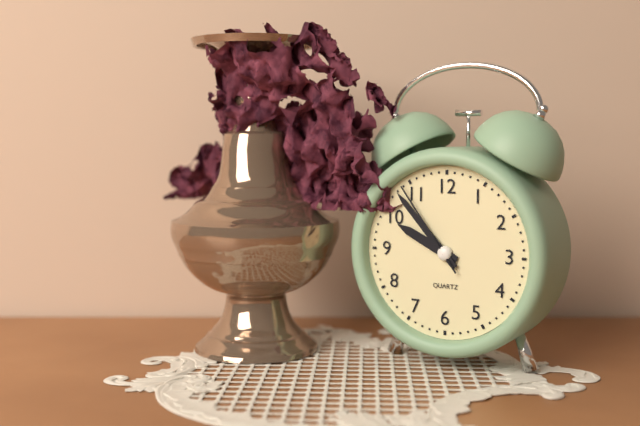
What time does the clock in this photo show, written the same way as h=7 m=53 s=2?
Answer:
h=9 m=53 s=54
